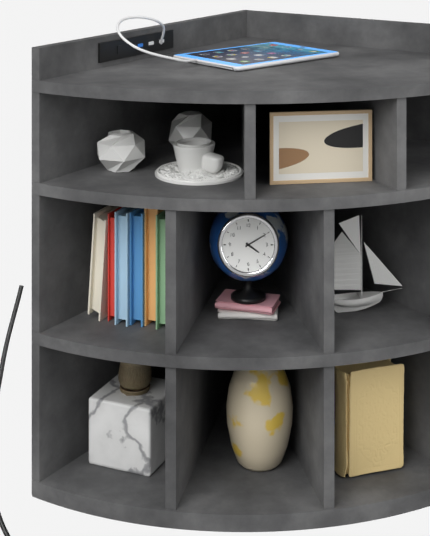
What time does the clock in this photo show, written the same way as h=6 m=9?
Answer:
h=4 m=10
